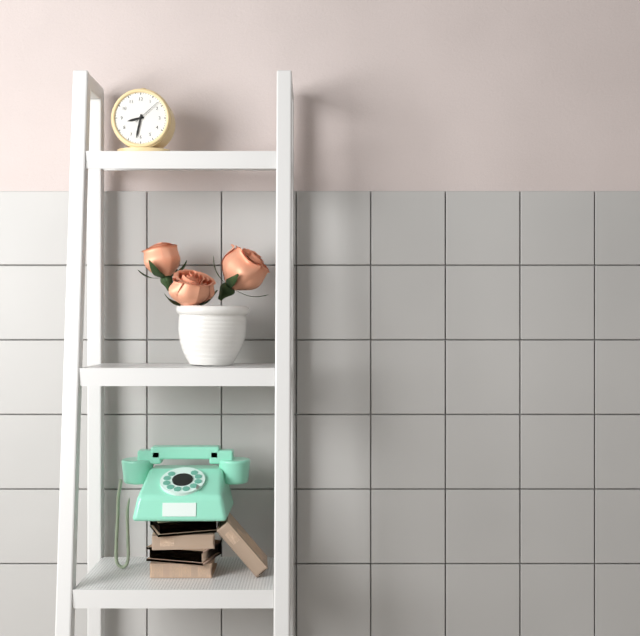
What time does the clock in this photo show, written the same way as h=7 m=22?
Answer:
h=8 m=32
